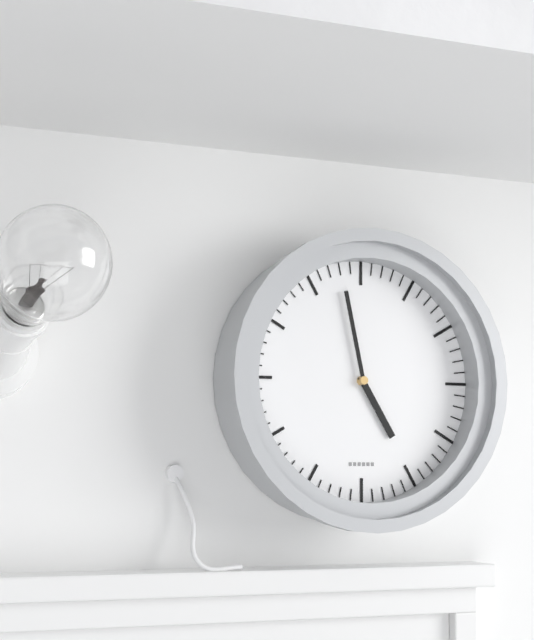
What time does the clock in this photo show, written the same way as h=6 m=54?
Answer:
h=4 m=58
